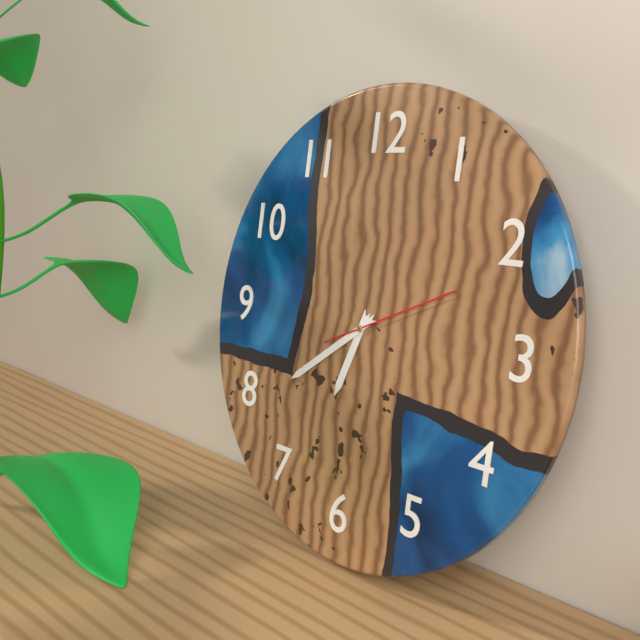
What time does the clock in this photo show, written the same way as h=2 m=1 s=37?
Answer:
h=6 m=39 s=11
